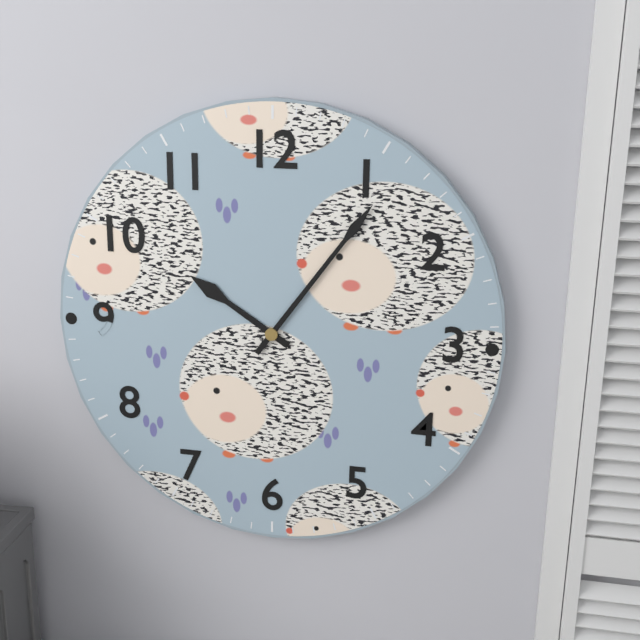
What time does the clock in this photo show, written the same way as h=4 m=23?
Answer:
h=10 m=6
